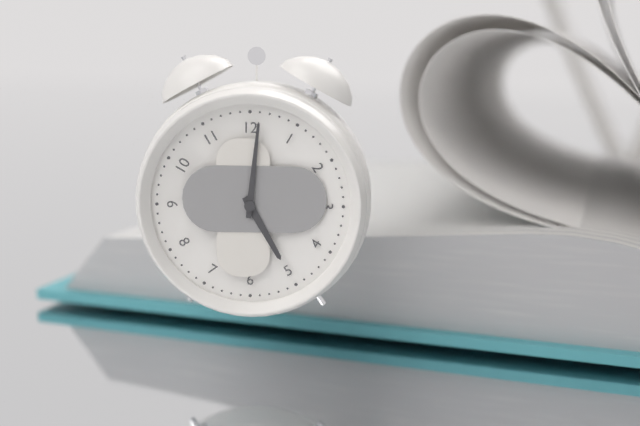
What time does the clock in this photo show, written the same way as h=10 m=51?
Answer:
h=5 m=1
